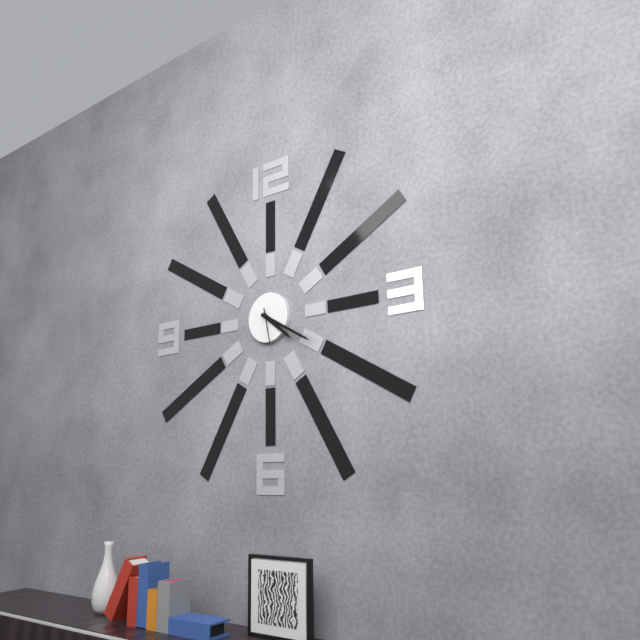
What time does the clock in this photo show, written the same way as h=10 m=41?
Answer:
h=4 m=20
